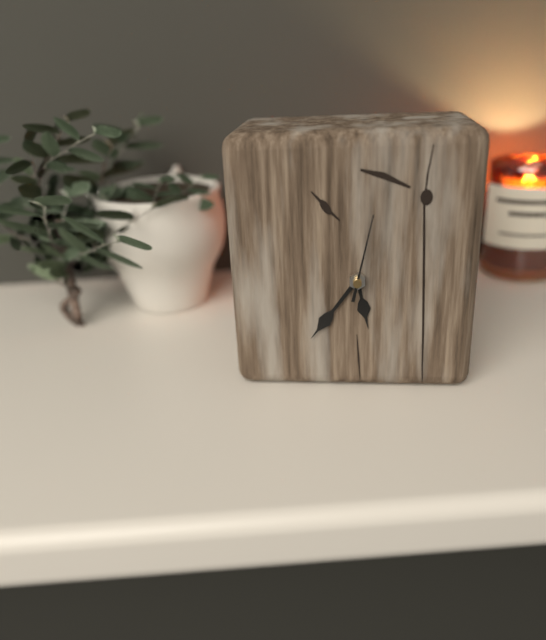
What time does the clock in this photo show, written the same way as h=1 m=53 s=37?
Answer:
h=5 m=36 s=2
